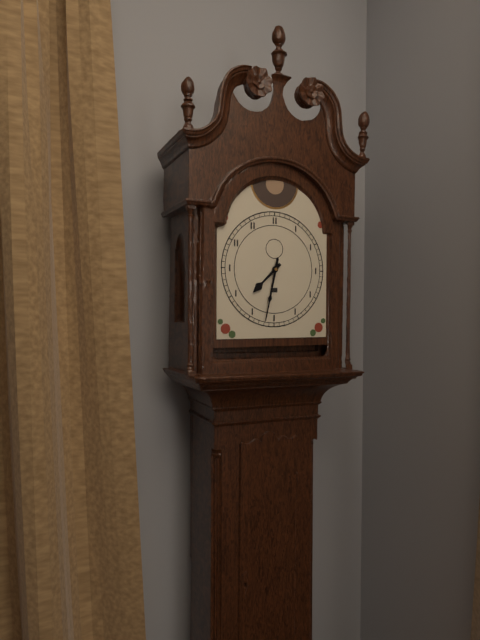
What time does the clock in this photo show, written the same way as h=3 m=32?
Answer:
h=7 m=32
